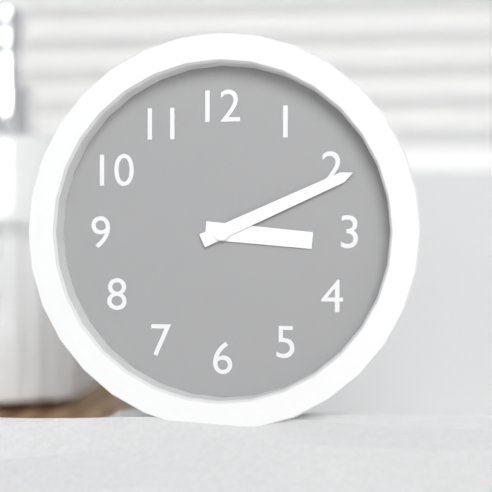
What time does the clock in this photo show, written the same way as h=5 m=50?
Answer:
h=3 m=11
